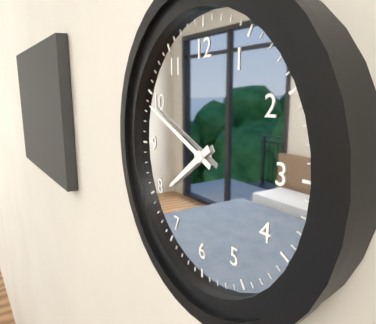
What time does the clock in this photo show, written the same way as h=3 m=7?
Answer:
h=7 m=49
